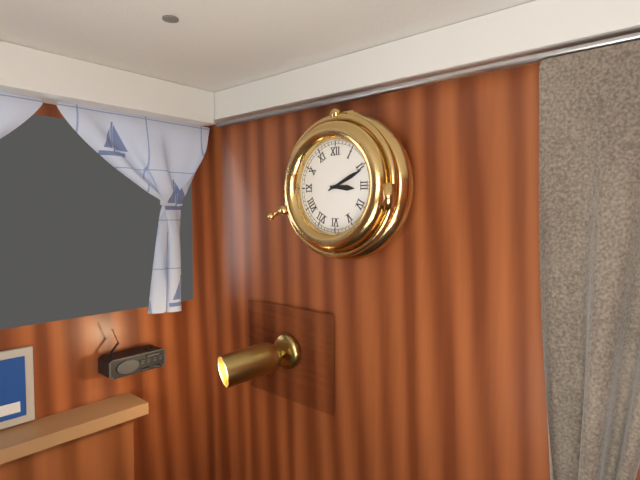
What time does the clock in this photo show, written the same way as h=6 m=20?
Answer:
h=3 m=11
